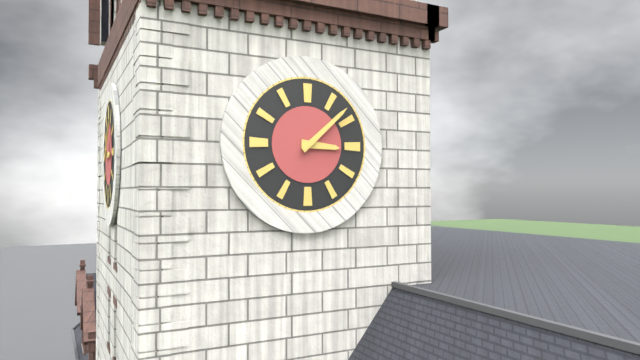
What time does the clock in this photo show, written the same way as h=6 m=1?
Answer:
h=3 m=8
